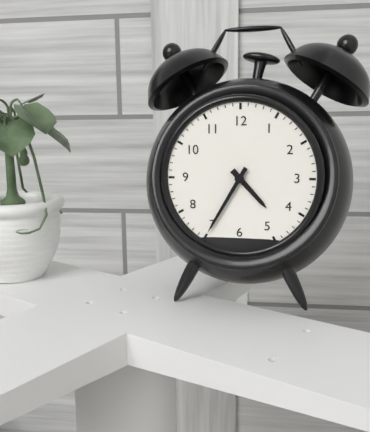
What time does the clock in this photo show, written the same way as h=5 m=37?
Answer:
h=4 m=35
